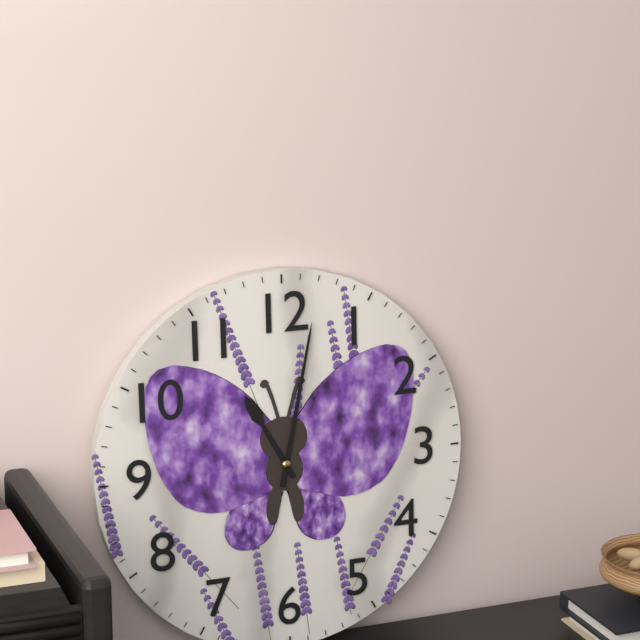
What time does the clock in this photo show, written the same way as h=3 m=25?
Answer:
h=11 m=2
